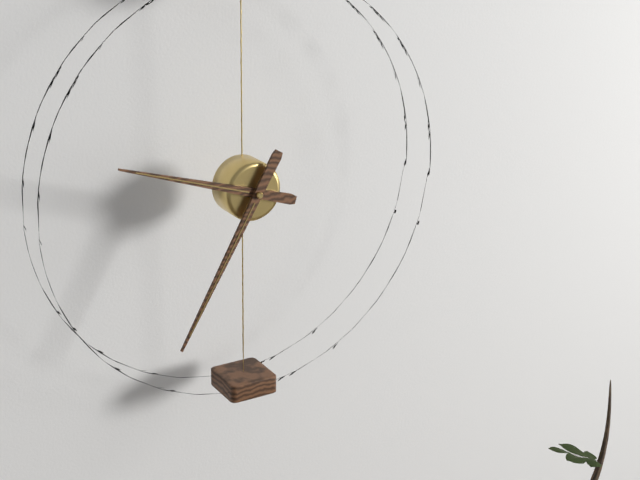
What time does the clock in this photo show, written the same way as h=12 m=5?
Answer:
h=9 m=35
